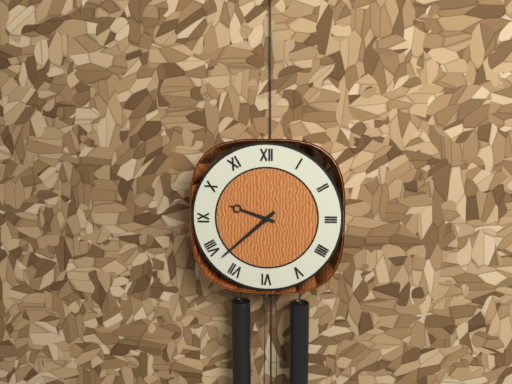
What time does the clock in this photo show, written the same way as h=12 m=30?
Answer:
h=9 m=38
